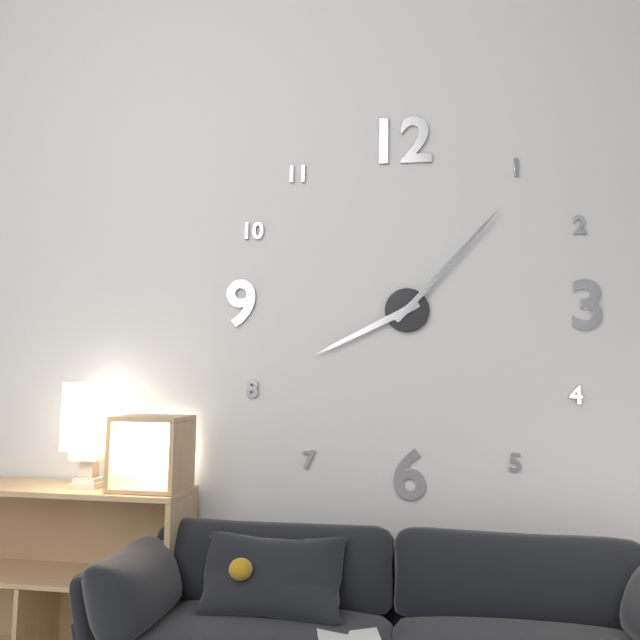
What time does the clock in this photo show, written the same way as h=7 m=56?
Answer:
h=8 m=7
